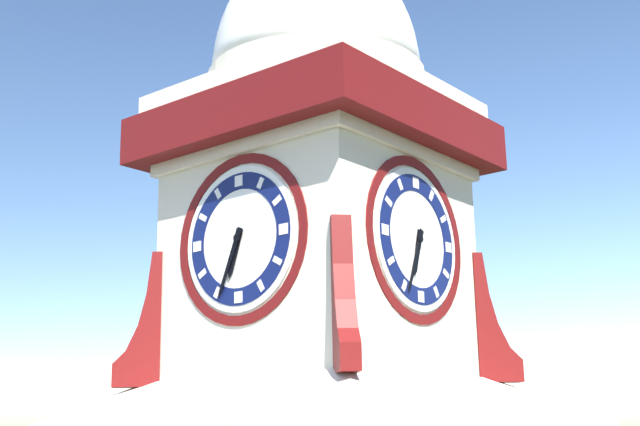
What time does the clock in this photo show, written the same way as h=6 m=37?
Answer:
h=6 m=34
